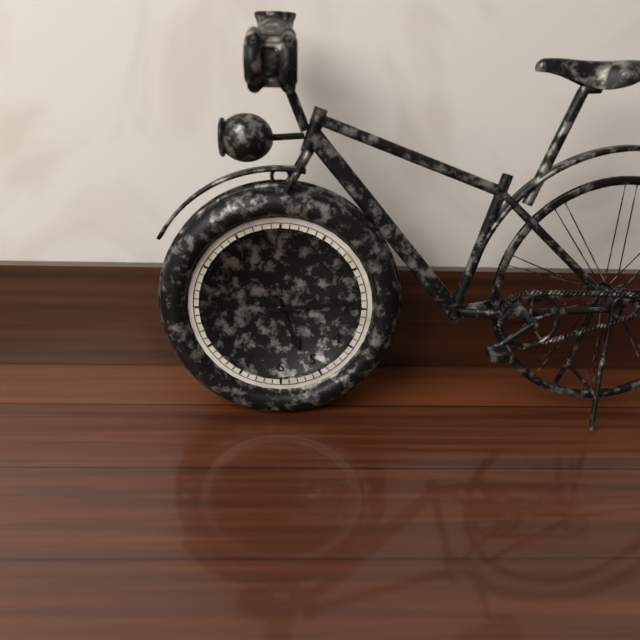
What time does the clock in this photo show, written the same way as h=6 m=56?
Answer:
h=5 m=14
